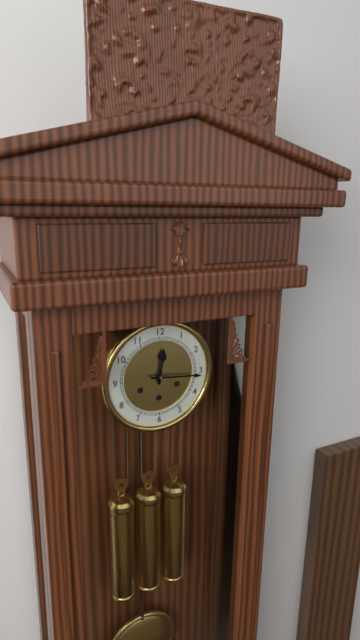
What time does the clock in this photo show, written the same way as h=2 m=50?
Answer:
h=12 m=16
